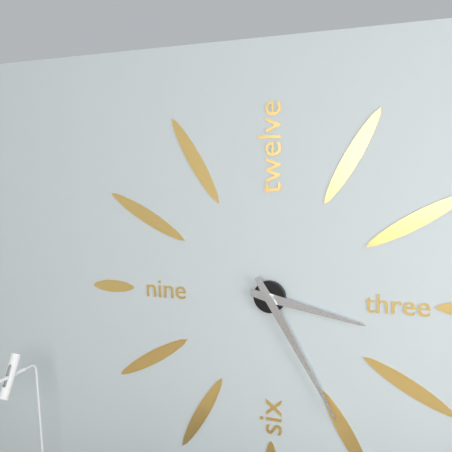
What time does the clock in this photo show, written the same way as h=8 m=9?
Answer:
h=3 m=25
